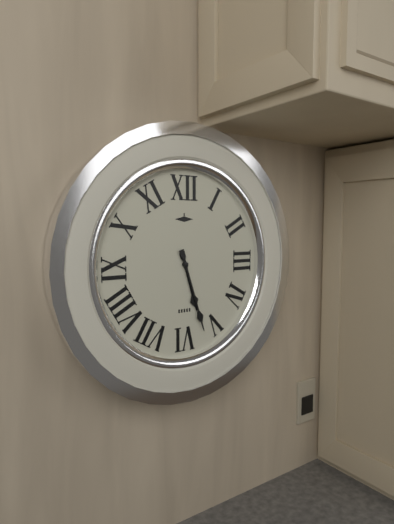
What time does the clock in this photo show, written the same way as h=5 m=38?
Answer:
h=5 m=27
